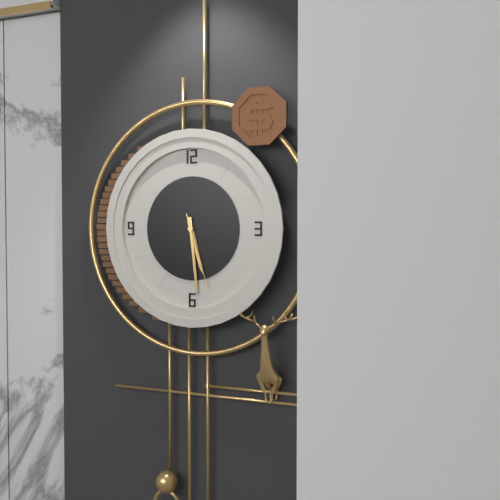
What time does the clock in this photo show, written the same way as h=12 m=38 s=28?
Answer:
h=5 m=29 s=27
